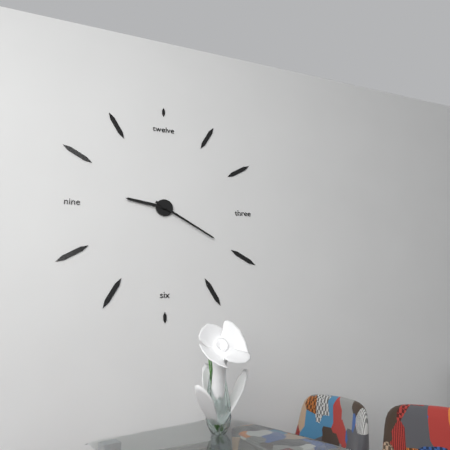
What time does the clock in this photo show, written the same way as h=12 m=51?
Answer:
h=9 m=20
